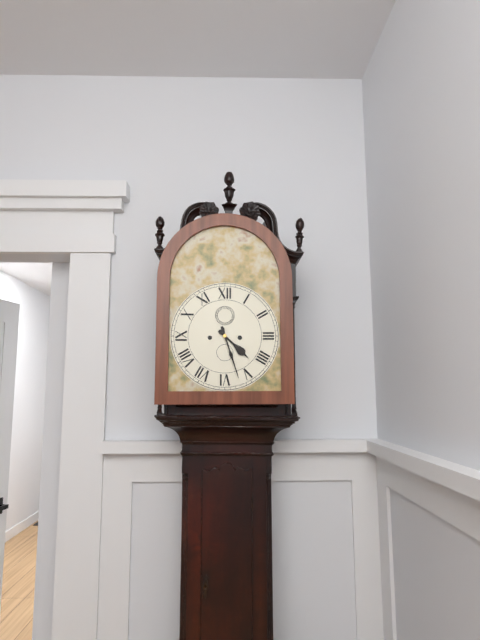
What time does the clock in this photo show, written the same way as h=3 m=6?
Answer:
h=4 m=27
